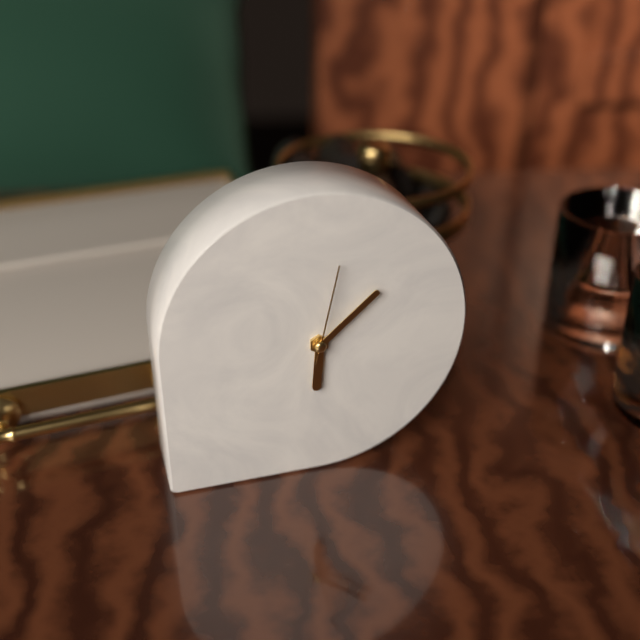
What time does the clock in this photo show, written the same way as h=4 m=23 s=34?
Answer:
h=6 m=8 s=2
